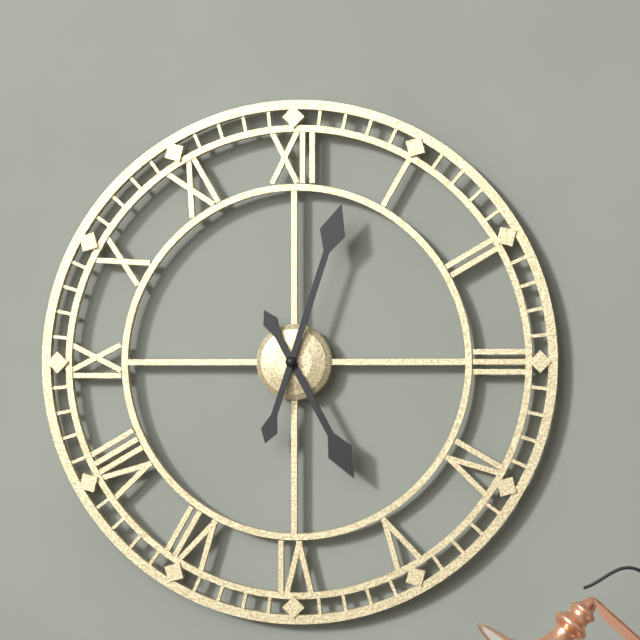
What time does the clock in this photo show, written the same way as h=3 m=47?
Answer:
h=5 m=3
